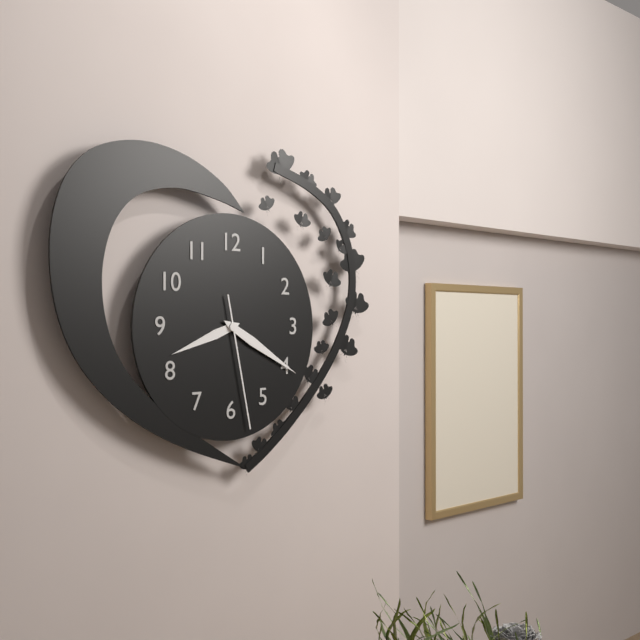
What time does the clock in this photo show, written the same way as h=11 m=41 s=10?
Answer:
h=8 m=20 s=28
